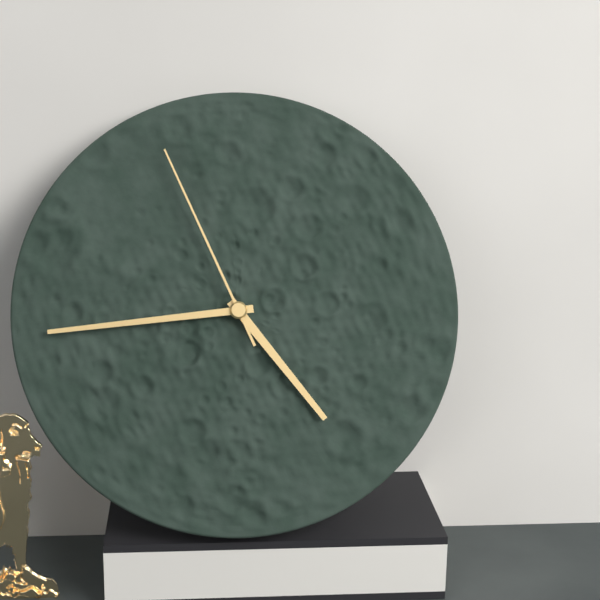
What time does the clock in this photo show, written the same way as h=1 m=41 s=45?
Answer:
h=4 m=44 s=56
